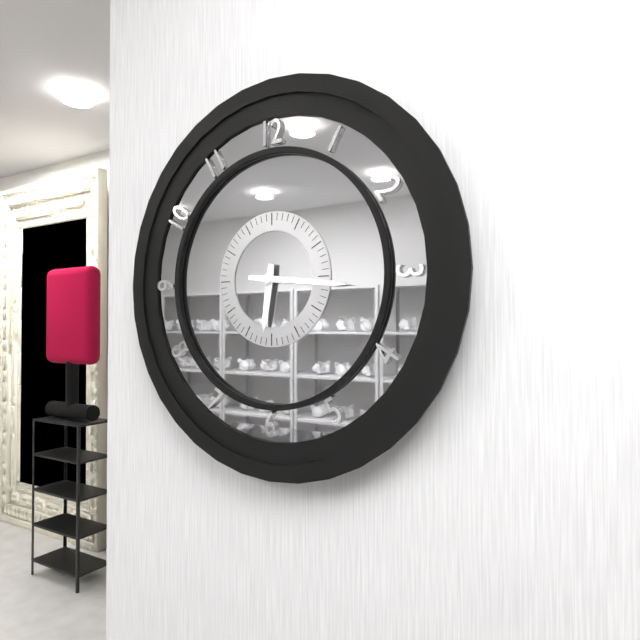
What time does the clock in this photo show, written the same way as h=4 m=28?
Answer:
h=6 m=16
